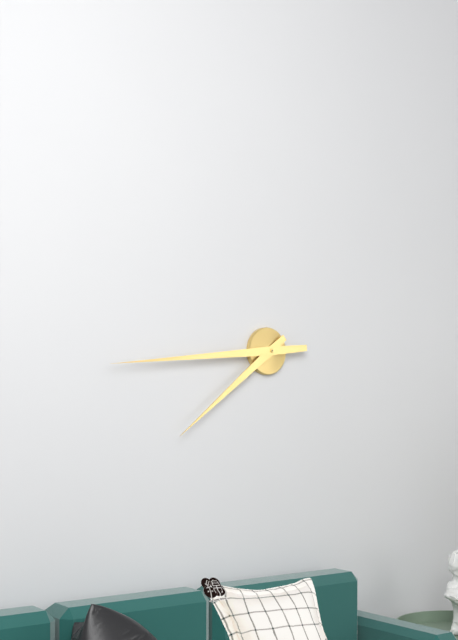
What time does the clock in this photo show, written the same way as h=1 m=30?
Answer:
h=7 m=44
